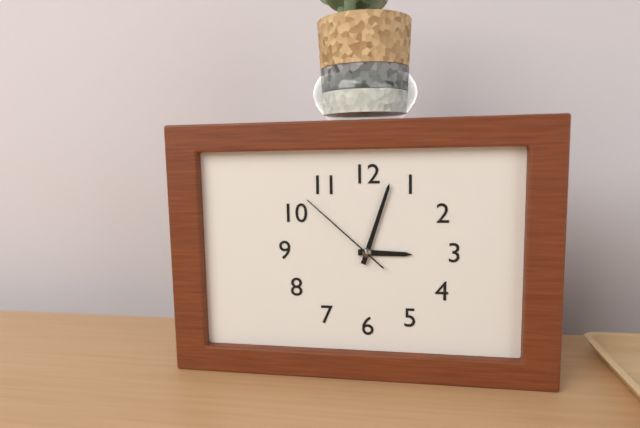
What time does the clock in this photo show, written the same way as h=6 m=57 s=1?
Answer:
h=3 m=3 s=52
